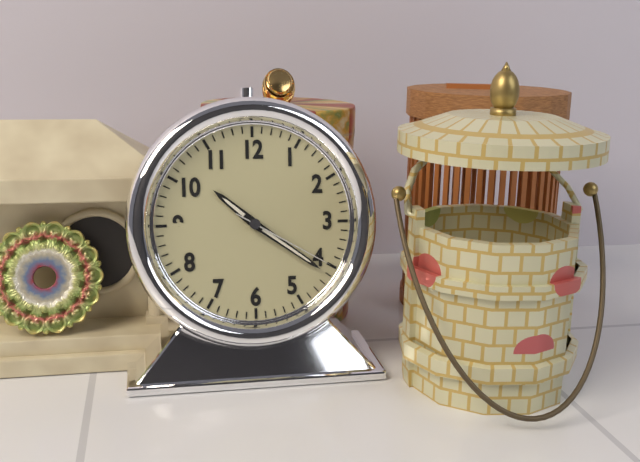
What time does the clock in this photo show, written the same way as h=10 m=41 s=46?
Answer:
h=10 m=21 s=20
